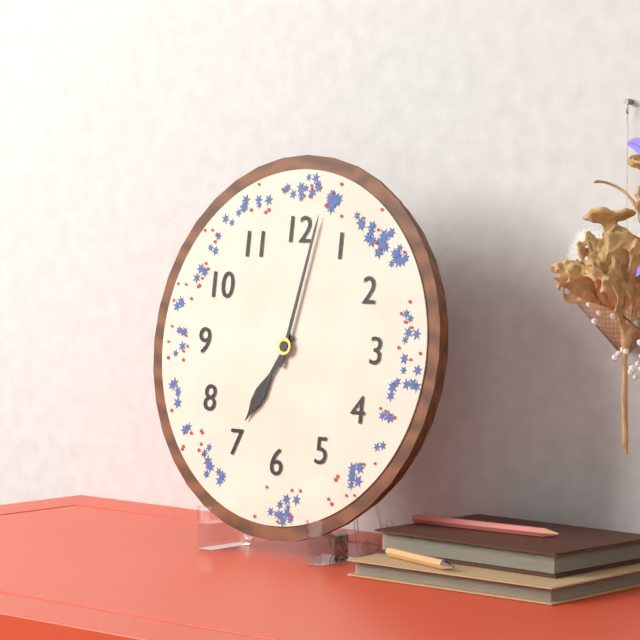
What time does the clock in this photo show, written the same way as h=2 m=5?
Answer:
h=7 m=2
